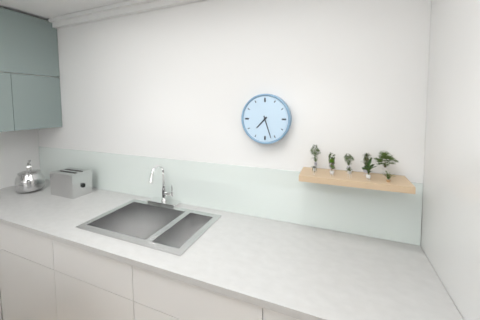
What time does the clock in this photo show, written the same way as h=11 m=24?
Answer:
h=7 m=27
